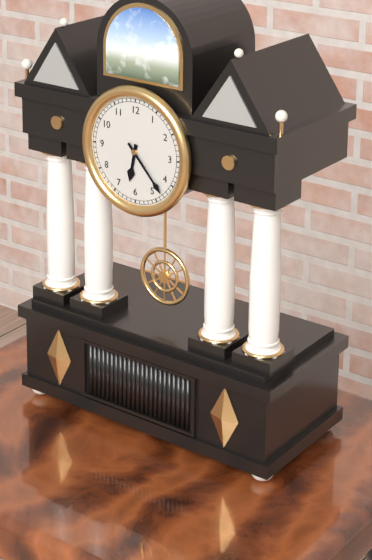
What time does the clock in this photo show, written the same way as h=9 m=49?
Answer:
h=6 m=23
